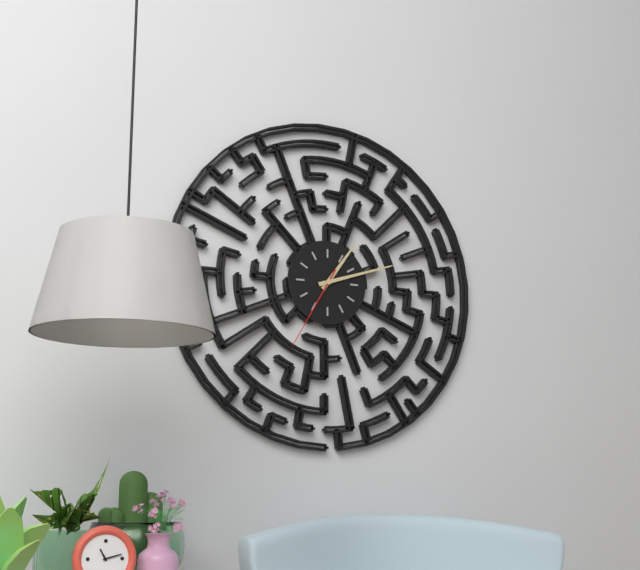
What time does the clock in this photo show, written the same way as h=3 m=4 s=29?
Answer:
h=1 m=12 s=35
